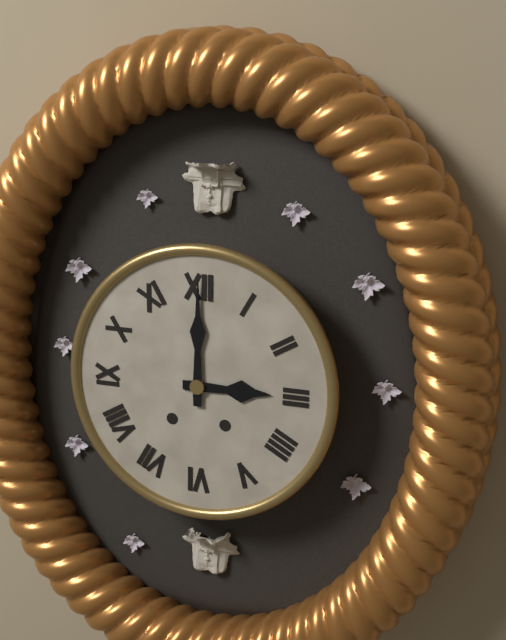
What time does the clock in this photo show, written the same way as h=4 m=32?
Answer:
h=3 m=0
